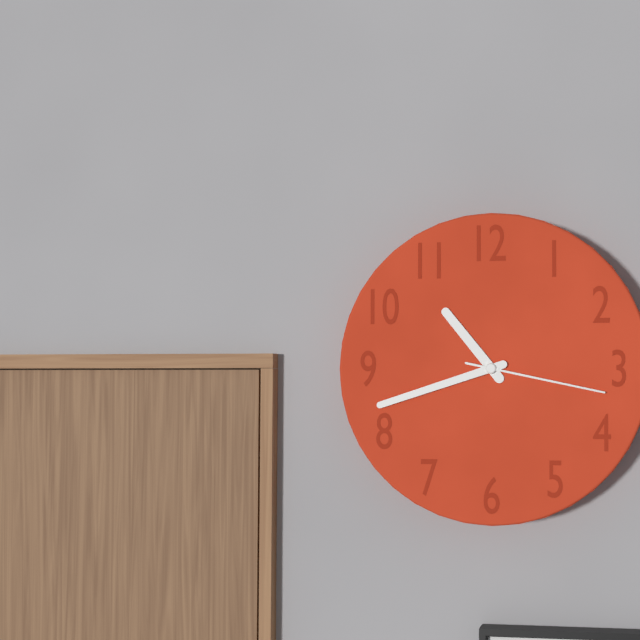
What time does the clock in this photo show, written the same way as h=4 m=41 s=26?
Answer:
h=10 m=42 s=17
